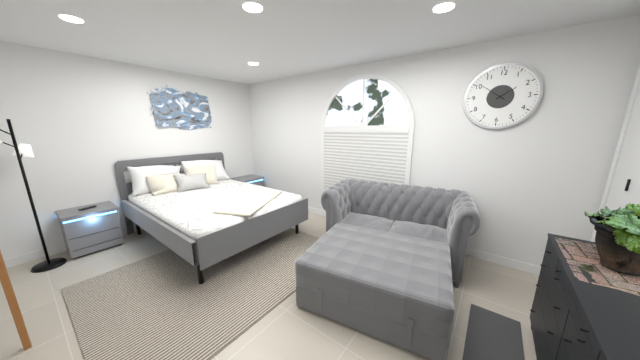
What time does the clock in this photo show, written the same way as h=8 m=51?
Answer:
h=1 m=51
